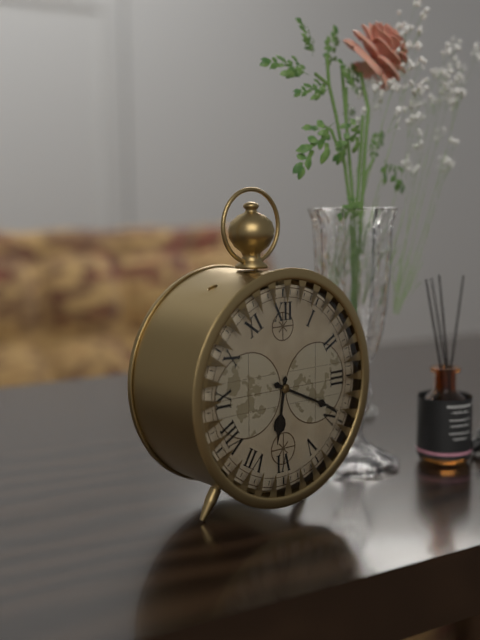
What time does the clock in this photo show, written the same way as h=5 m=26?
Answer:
h=6 m=19
